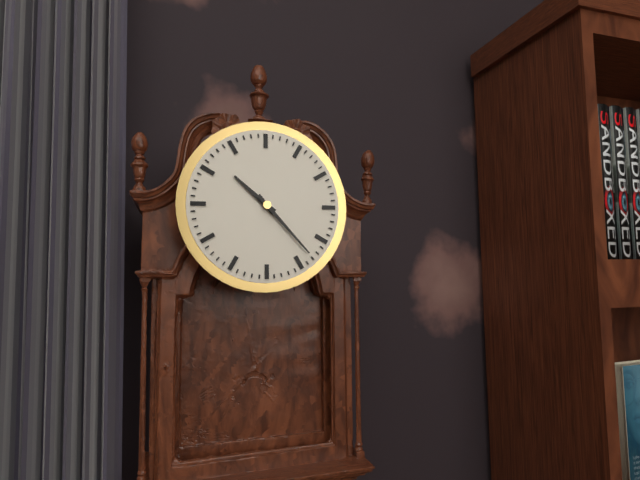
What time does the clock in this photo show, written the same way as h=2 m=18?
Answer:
h=10 m=23
